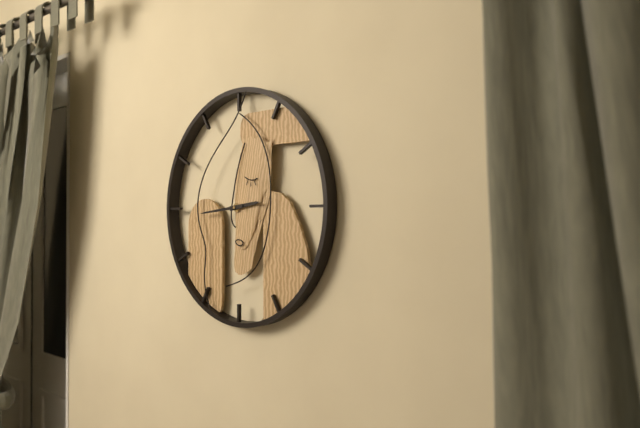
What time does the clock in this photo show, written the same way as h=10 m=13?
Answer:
h=2 m=44
